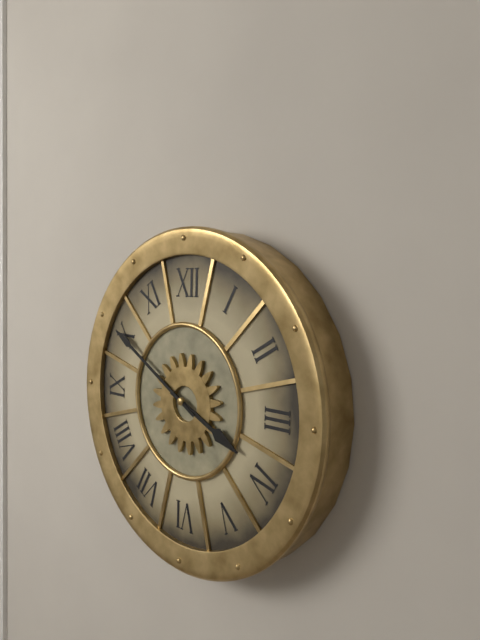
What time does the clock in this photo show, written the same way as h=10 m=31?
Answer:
h=3 m=50
